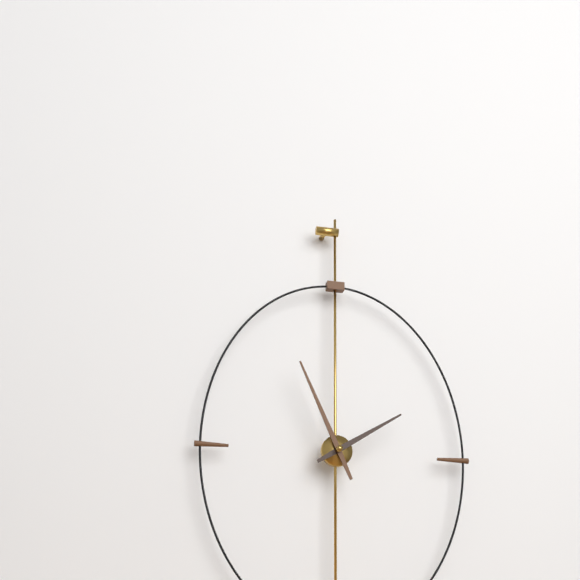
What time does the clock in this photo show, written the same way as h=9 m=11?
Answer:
h=1 m=56
